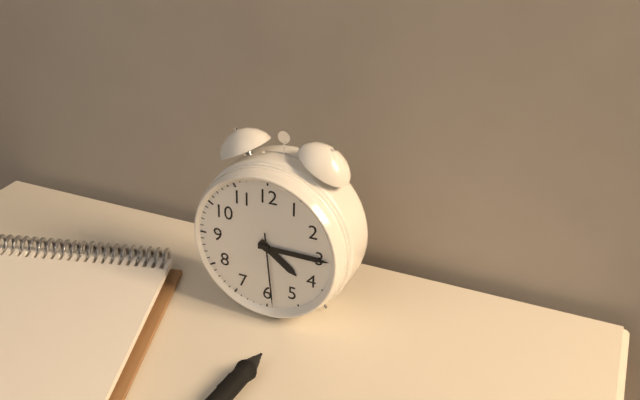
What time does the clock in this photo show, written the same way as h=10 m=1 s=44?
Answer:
h=4 m=15 s=29
